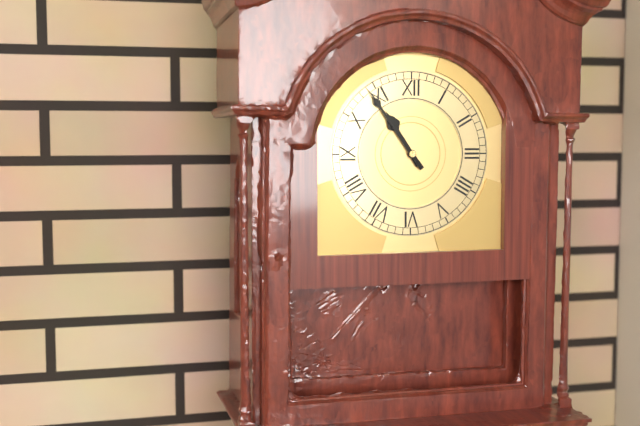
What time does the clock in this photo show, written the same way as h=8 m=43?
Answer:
h=10 m=54
